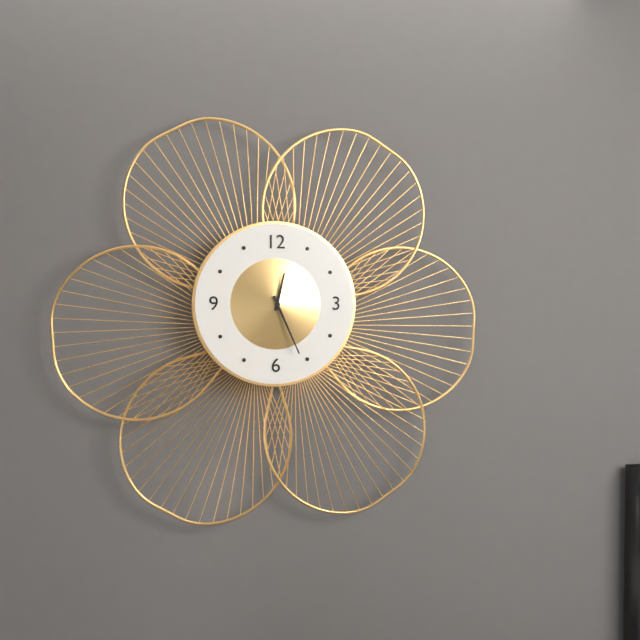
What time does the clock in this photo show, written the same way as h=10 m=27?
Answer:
h=12 m=26
